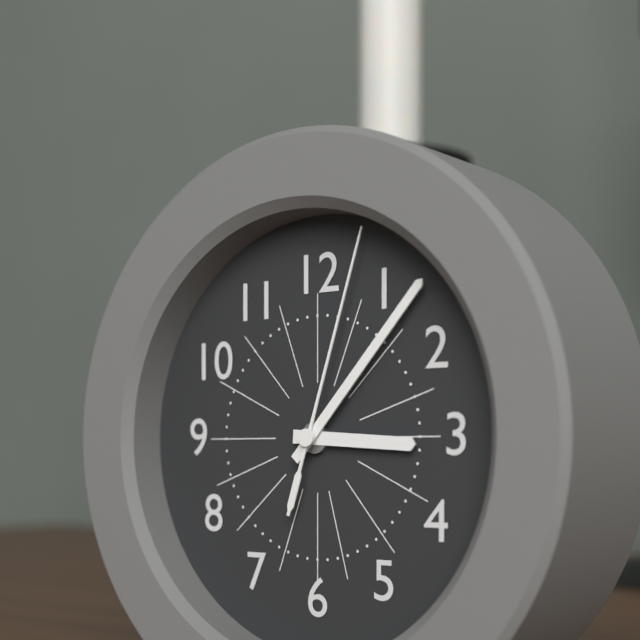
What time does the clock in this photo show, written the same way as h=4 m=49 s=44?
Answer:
h=3 m=7 s=3
